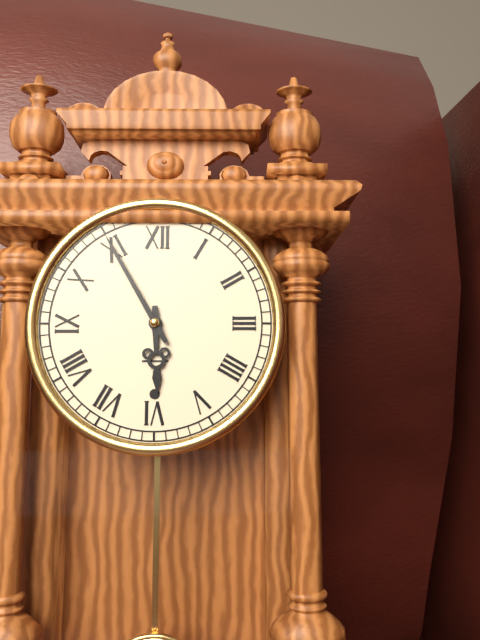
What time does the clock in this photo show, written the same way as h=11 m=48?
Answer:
h=5 m=55
